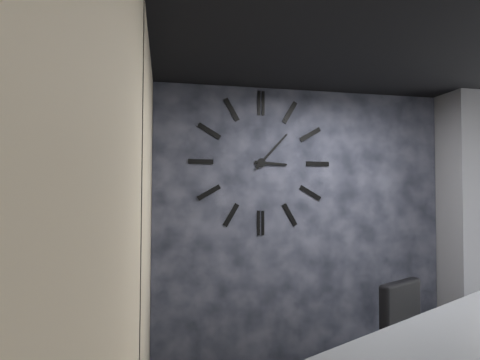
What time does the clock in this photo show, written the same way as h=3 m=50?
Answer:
h=3 m=7
